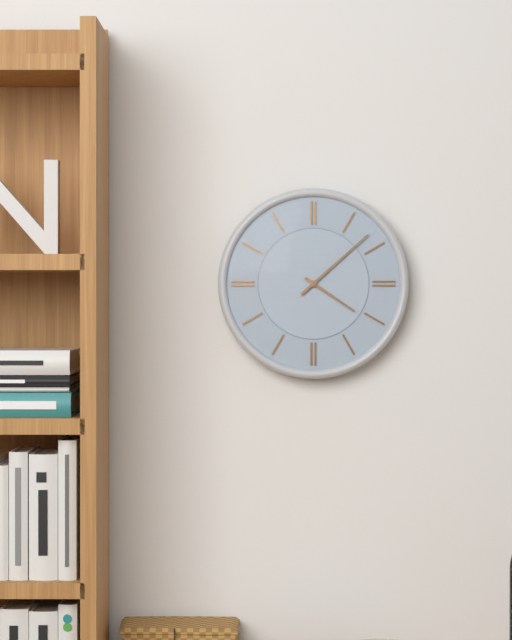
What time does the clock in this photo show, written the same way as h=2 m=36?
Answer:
h=4 m=8
